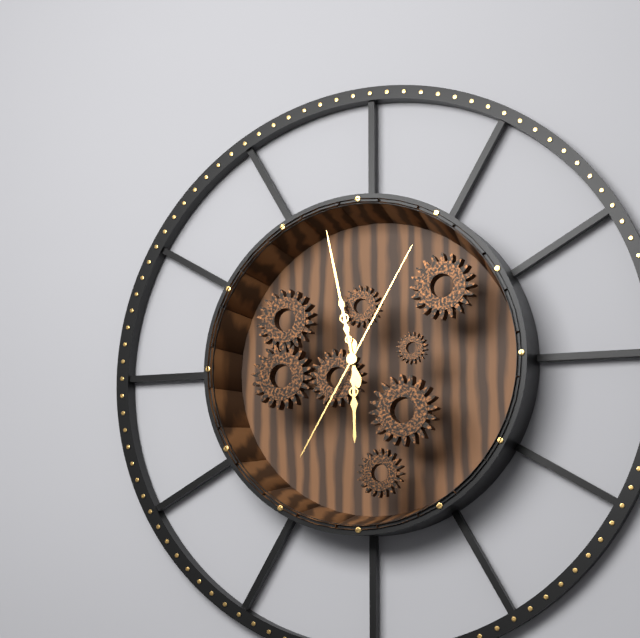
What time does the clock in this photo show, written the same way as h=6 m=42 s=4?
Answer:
h=5 m=58 s=5
